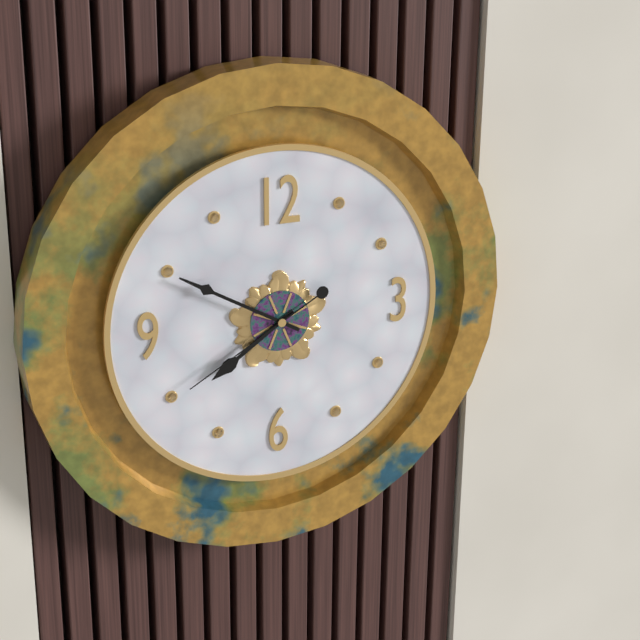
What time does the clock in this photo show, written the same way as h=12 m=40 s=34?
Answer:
h=7 m=50 s=40
